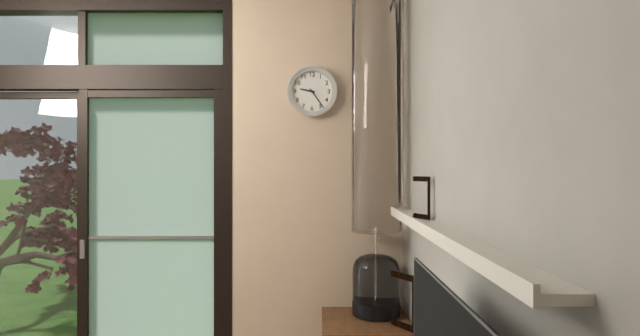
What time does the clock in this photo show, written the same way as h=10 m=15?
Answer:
h=9 m=24
